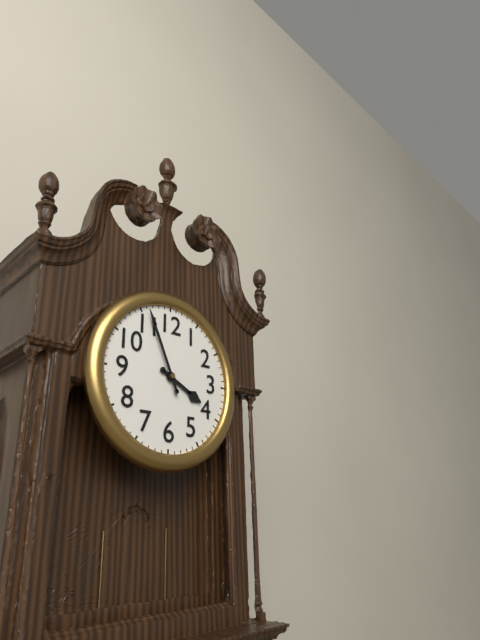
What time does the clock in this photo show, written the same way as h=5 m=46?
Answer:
h=3 m=56
